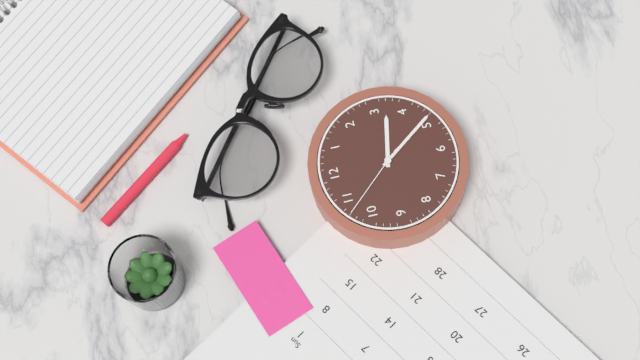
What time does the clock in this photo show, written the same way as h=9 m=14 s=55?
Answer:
h=3 m=24 s=53
